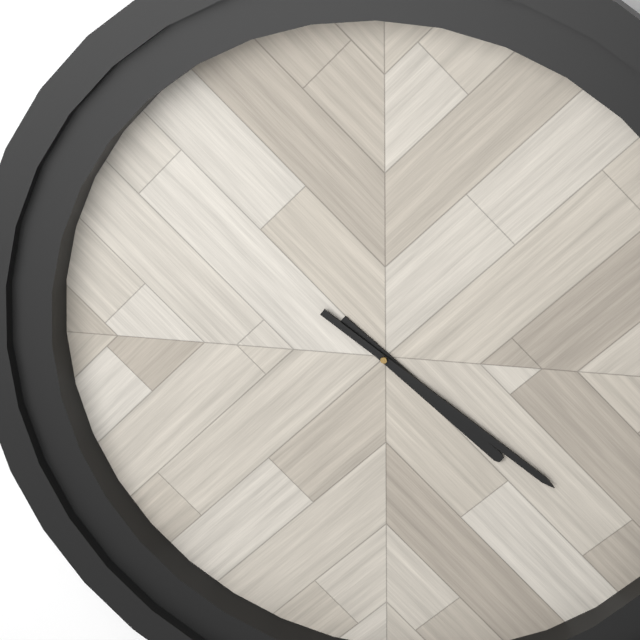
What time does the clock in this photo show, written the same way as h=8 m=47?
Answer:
h=4 m=21
